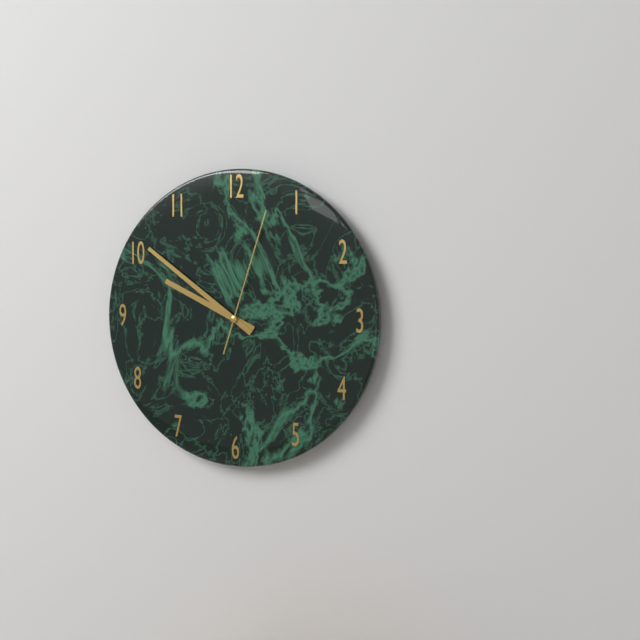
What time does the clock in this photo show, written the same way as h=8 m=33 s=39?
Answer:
h=9 m=51 s=3
